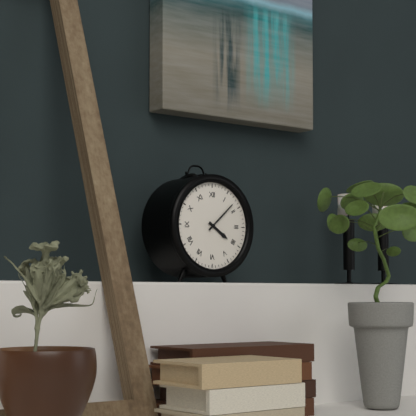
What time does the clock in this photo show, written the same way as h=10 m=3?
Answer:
h=4 m=8
